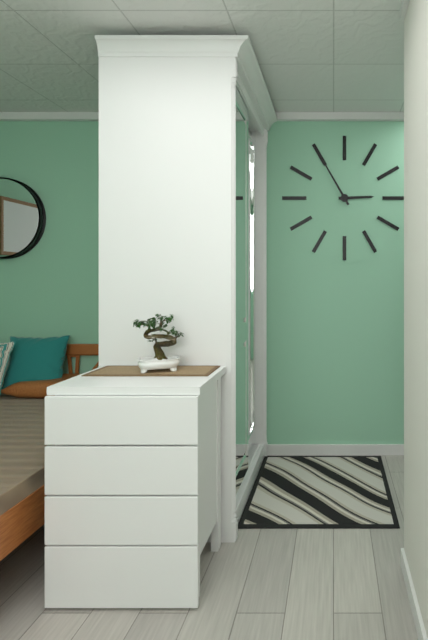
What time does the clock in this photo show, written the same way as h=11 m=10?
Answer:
h=2 m=55
